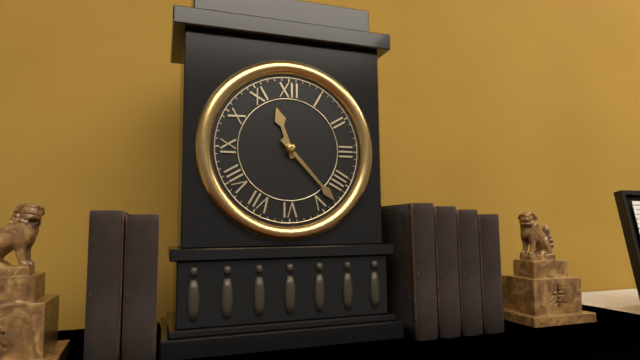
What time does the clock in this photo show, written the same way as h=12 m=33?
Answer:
h=11 m=23
